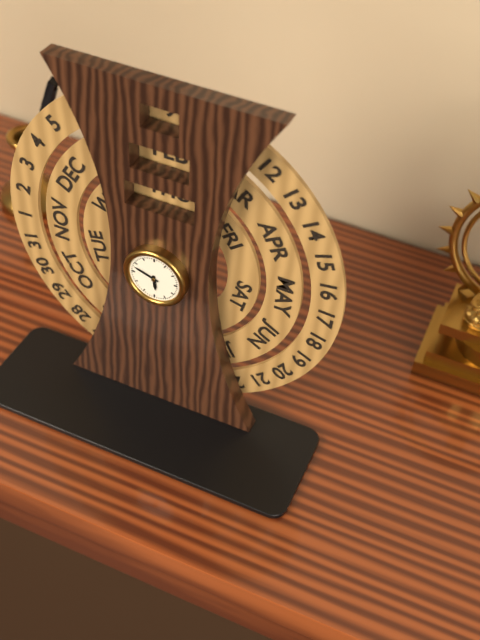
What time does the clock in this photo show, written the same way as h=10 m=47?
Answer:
h=5 m=48
